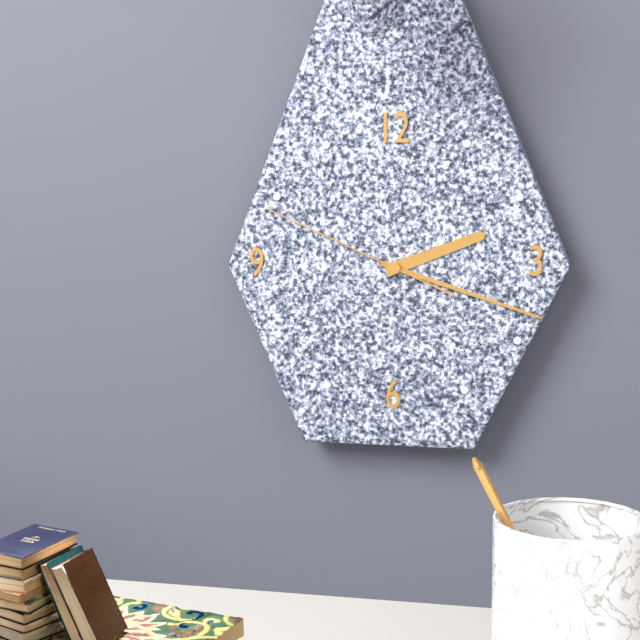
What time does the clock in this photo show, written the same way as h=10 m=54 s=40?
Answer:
h=2 m=18 s=49
